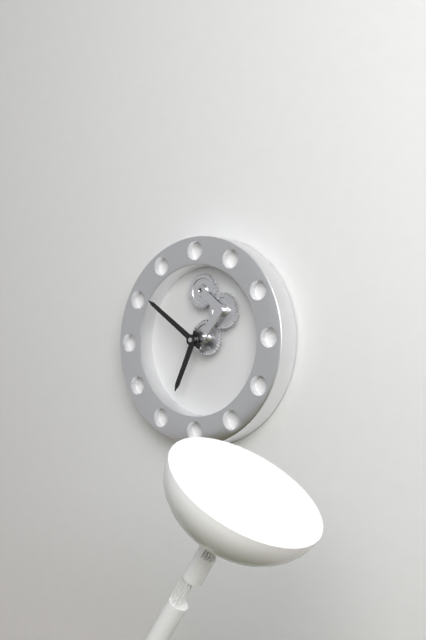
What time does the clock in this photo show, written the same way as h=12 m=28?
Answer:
h=6 m=51
